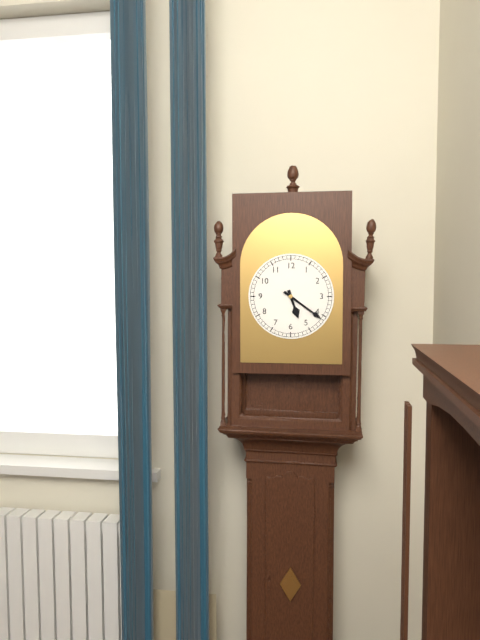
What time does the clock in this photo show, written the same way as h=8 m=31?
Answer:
h=5 m=21
